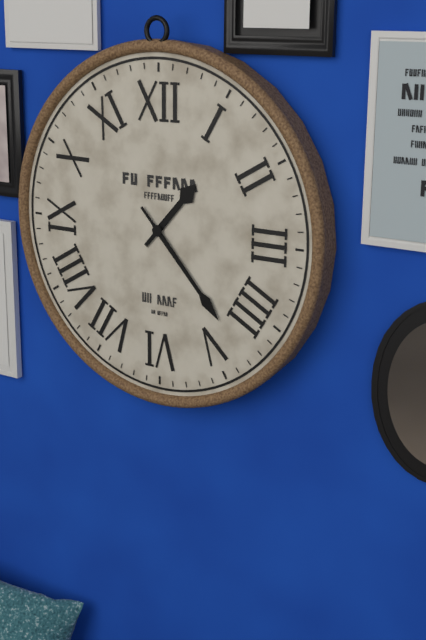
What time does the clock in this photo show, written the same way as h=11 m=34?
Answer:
h=1 m=23
